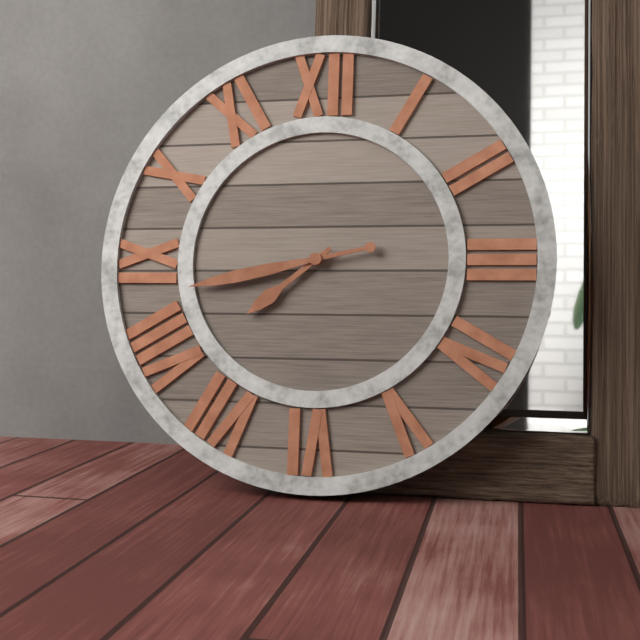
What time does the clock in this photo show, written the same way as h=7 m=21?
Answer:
h=7 m=43
